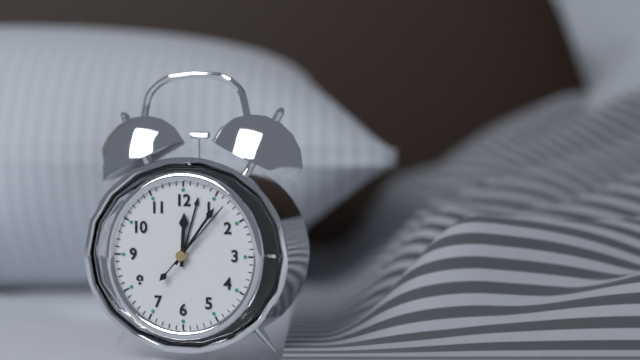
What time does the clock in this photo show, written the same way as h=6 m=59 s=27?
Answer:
h=12 m=6 s=7
